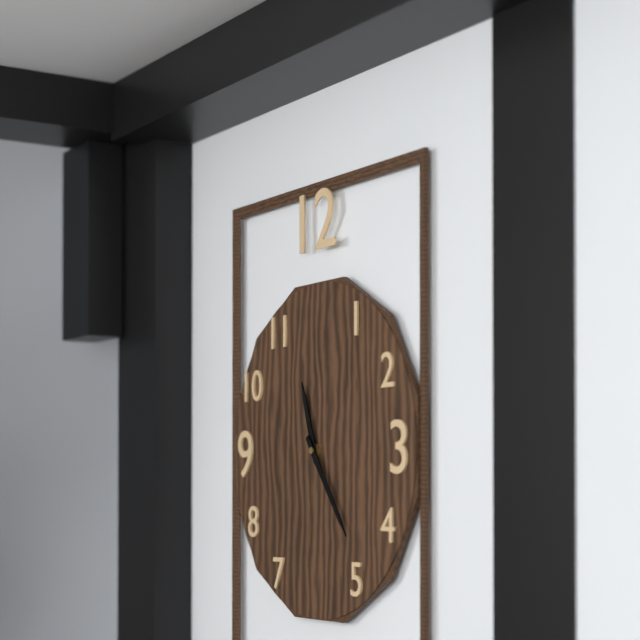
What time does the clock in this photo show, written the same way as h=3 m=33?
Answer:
h=11 m=24
